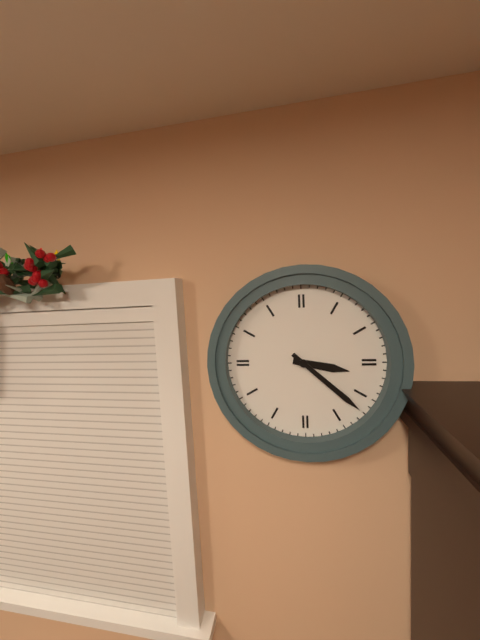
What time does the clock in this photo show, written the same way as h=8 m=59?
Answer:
h=3 m=22
